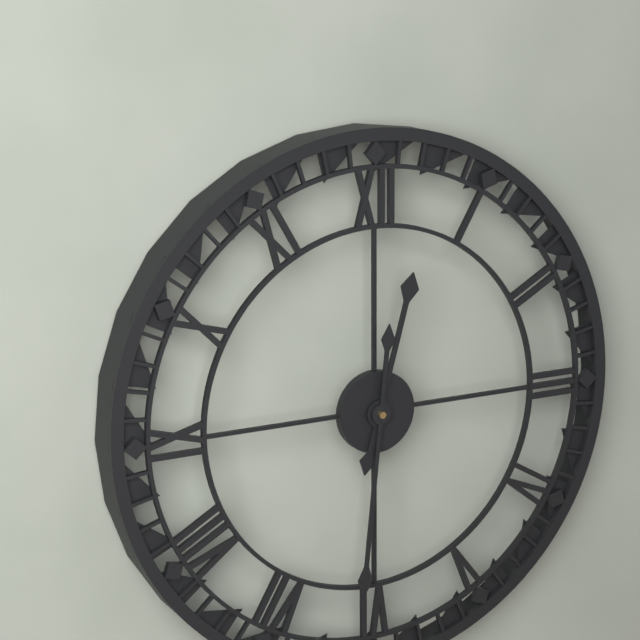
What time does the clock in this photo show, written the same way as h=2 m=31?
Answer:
h=12 m=31
